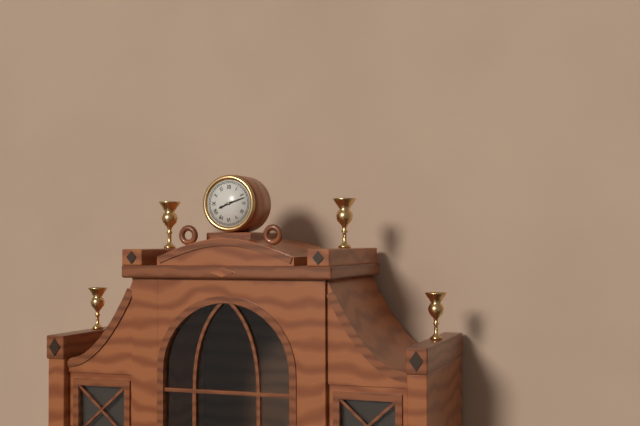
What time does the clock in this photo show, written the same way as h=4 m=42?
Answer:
h=8 m=12
